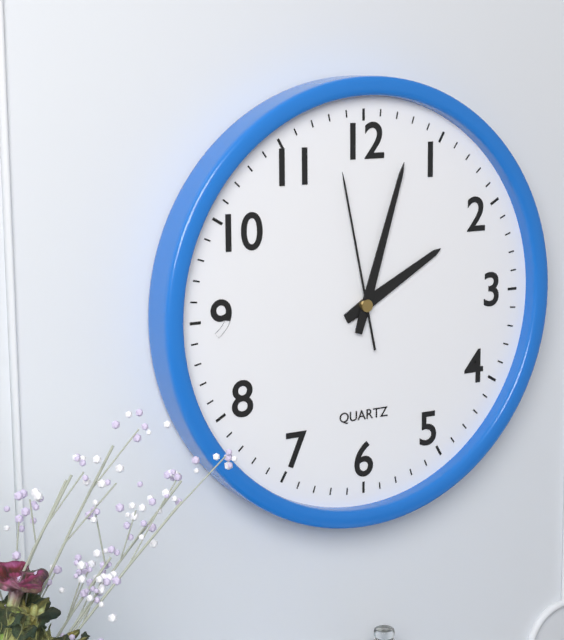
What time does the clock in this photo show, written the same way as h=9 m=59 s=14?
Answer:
h=2 m=3 s=58
